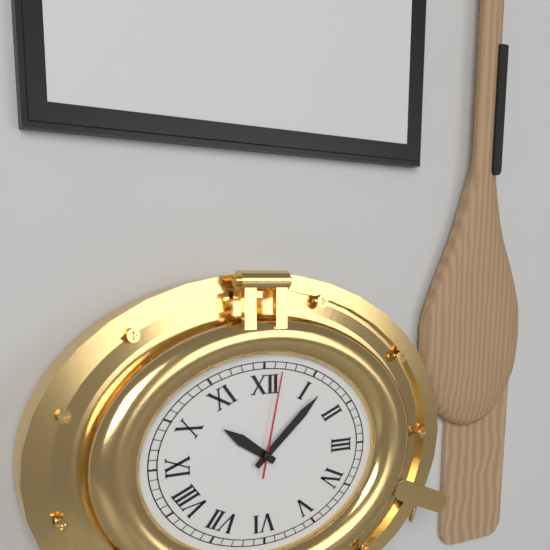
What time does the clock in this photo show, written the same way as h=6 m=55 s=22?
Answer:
h=10 m=8 s=2
